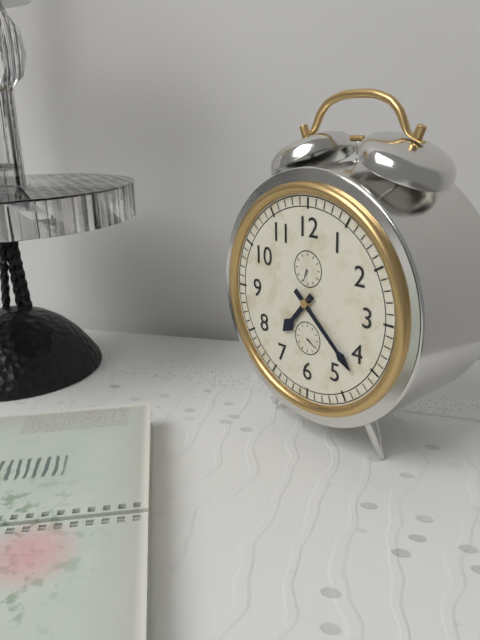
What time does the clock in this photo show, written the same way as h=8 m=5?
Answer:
h=7 m=22
